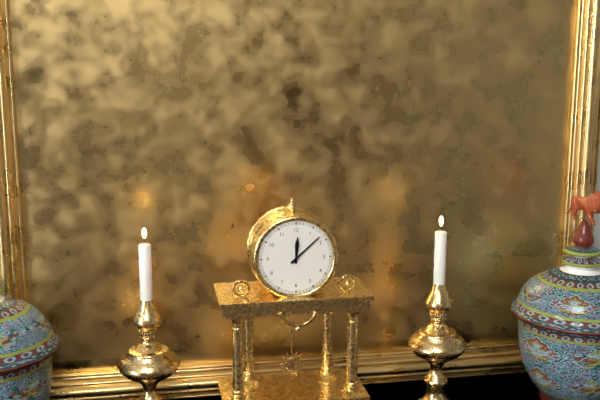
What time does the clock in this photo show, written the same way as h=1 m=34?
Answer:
h=12 m=8
